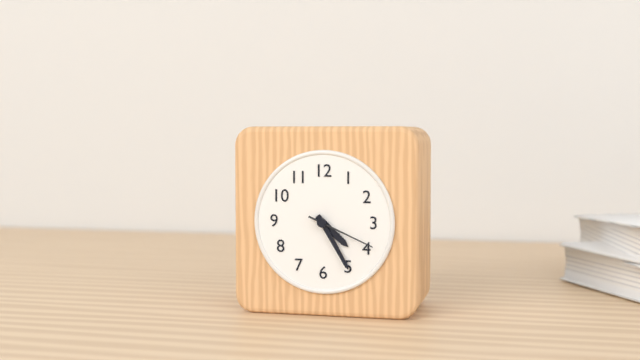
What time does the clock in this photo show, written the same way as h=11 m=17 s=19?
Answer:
h=4 m=25 s=19
